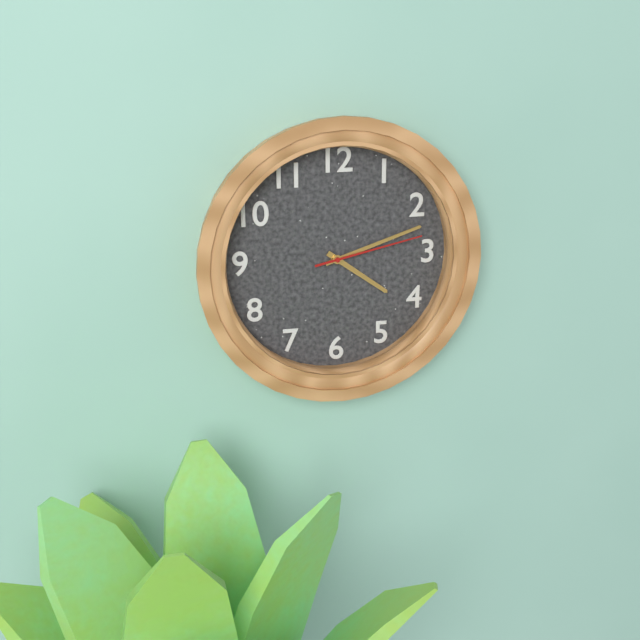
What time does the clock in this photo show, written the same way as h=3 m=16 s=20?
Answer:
h=4 m=12 s=13
